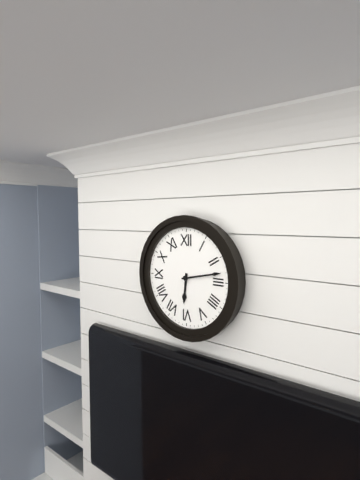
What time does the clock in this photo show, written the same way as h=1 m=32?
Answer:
h=6 m=13
